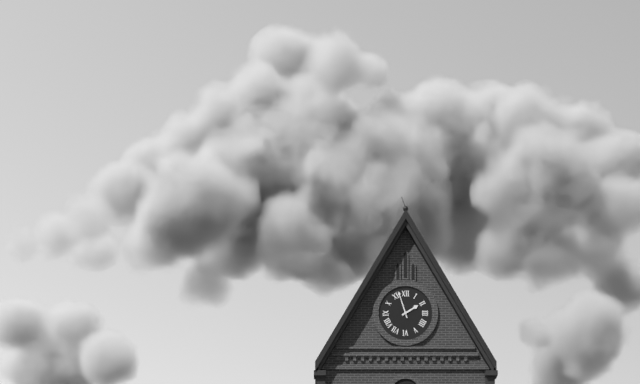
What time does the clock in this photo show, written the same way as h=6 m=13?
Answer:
h=1 m=57
